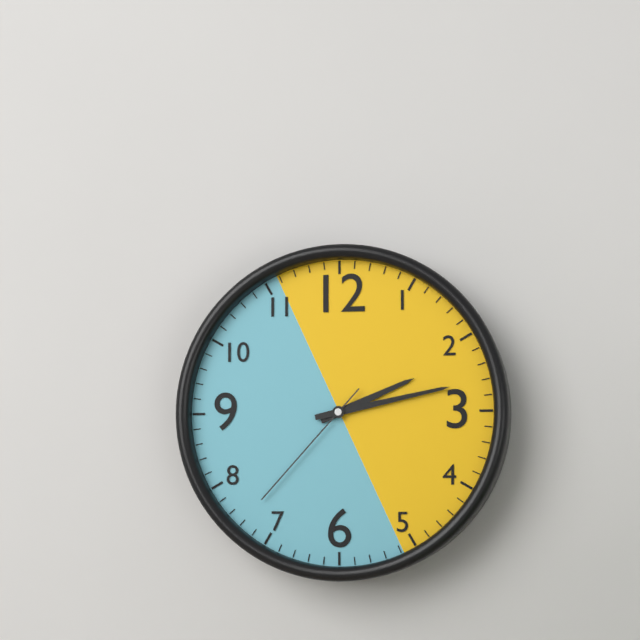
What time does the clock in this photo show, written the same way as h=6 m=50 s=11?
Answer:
h=2 m=13 s=37
